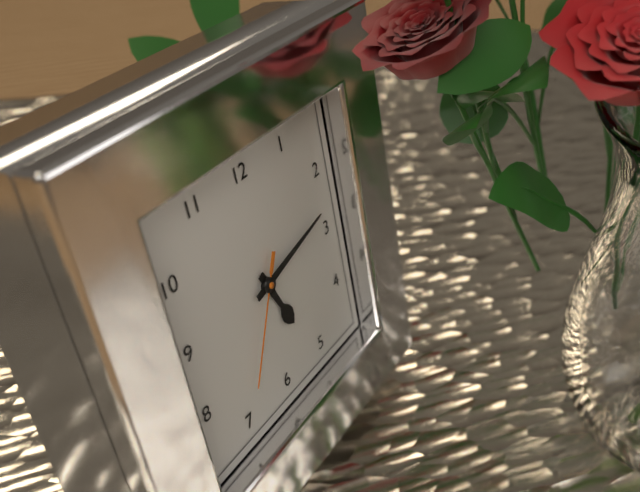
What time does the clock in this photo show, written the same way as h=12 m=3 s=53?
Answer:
h=5 m=13 s=35
